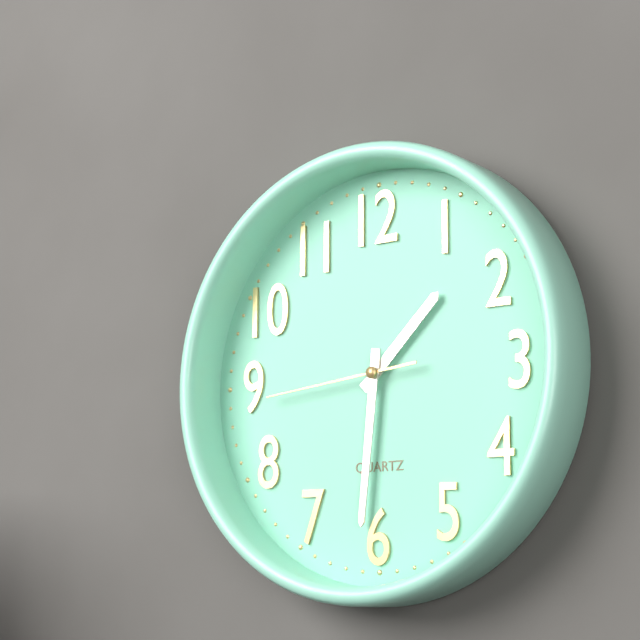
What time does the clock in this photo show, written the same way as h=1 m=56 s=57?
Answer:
h=1 m=31 s=44
